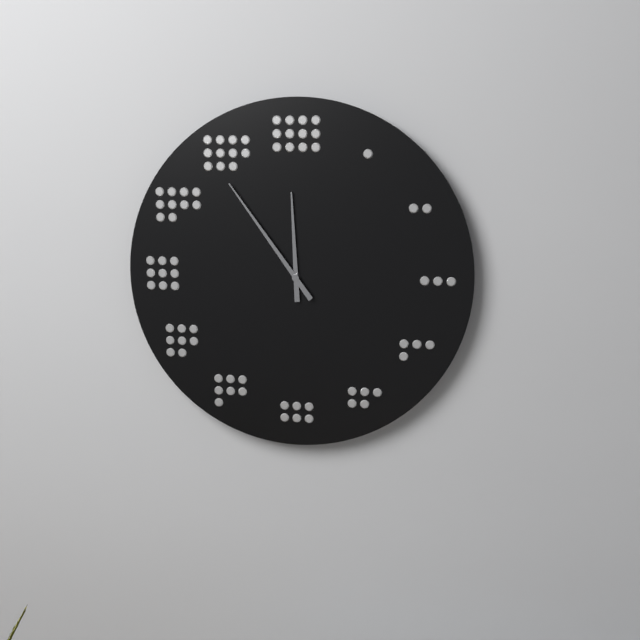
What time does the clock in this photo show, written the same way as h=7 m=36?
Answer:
h=11 m=54
